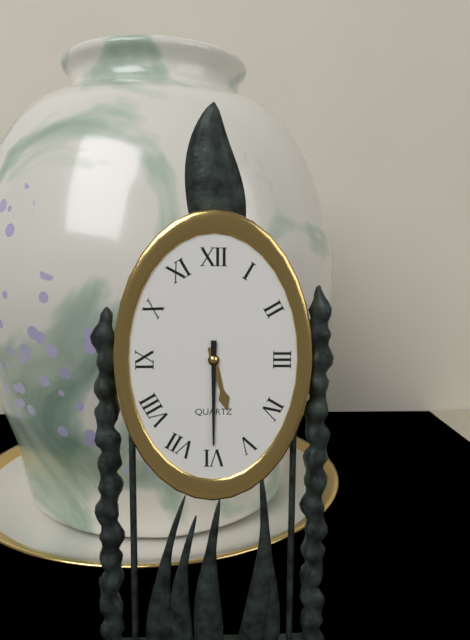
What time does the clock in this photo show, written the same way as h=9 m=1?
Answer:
h=5 m=30
